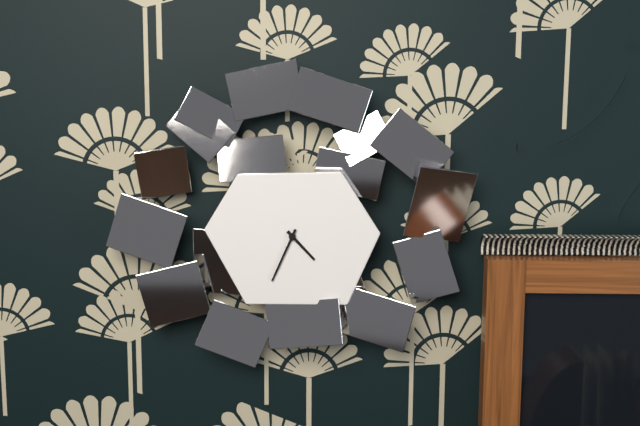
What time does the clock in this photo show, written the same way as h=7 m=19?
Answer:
h=4 m=34
